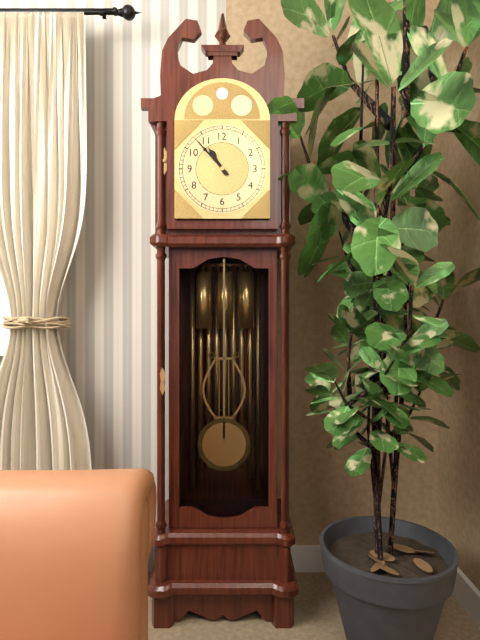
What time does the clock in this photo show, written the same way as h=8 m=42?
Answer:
h=10 m=53
